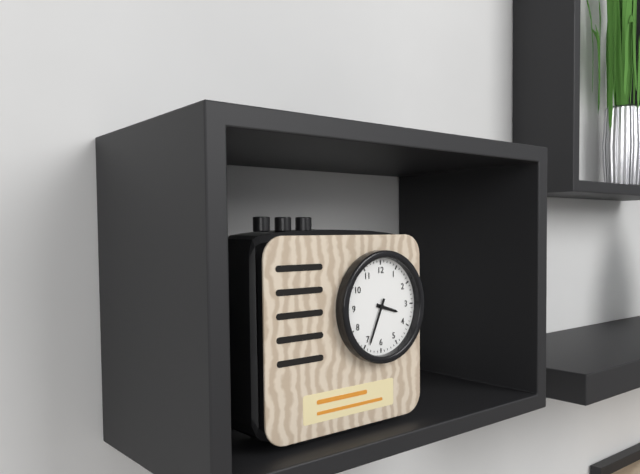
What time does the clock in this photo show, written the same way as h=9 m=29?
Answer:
h=3 m=34
